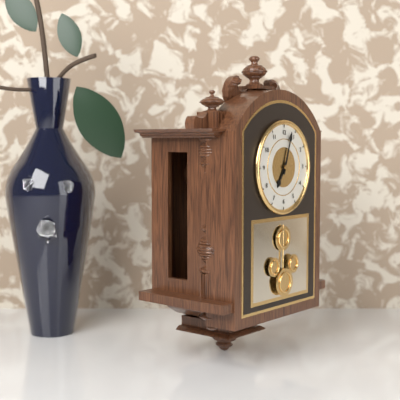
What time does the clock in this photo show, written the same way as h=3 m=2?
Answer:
h=7 m=3
